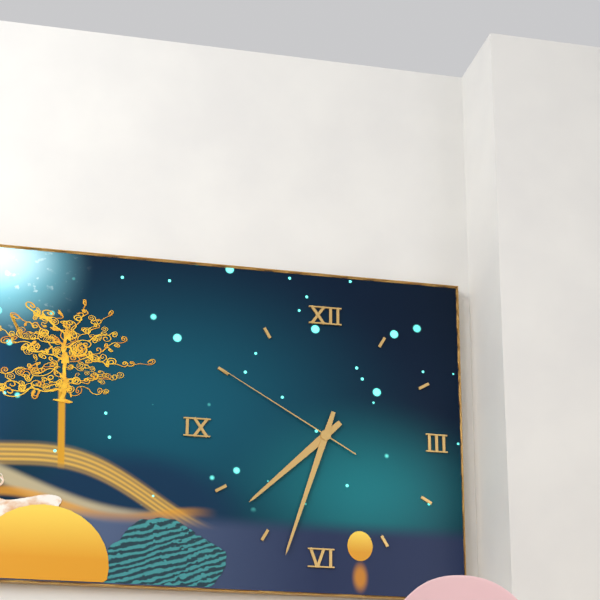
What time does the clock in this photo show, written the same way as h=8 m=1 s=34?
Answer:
h=7 m=33 s=50
